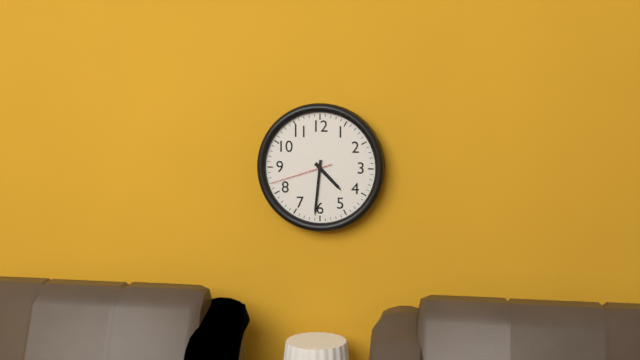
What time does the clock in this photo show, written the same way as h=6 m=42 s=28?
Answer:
h=4 m=31 s=42
